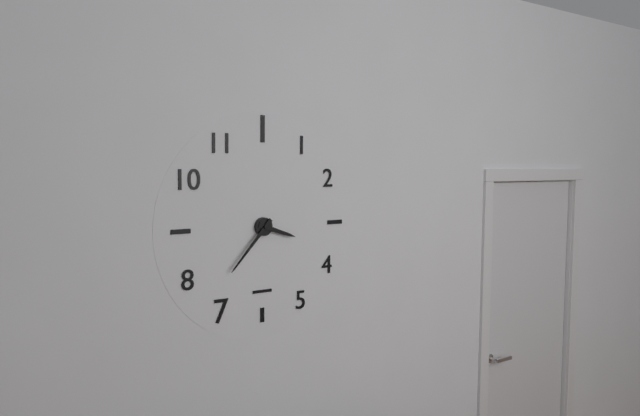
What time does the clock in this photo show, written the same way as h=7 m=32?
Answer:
h=3 m=37
